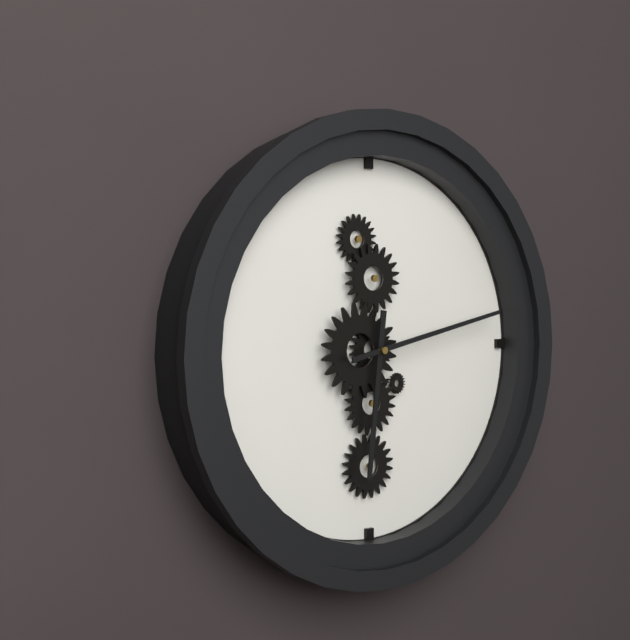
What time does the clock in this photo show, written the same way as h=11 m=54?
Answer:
h=6 m=13
